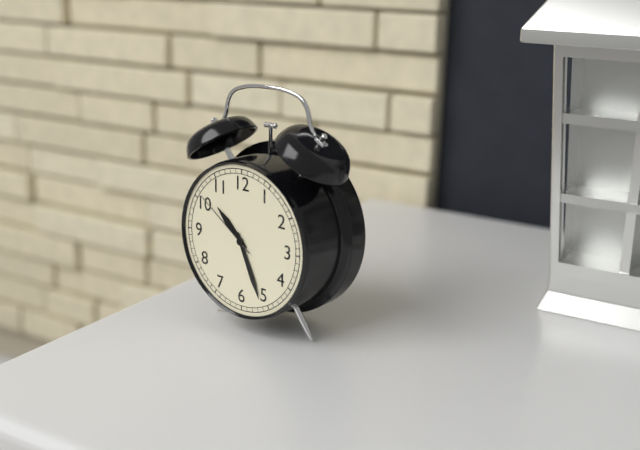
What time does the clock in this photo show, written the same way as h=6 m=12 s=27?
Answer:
h=10 m=26 s=51
